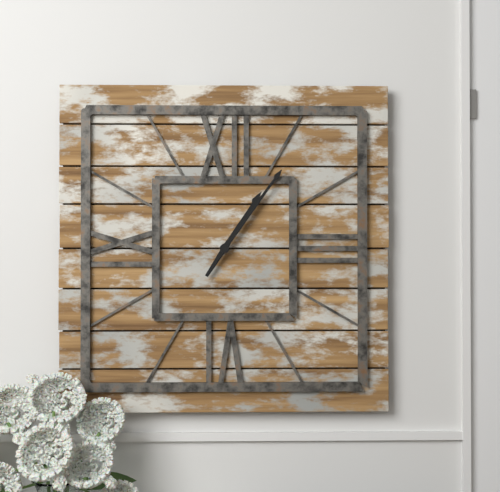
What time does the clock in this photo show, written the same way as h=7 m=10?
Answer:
h=1 m=6
